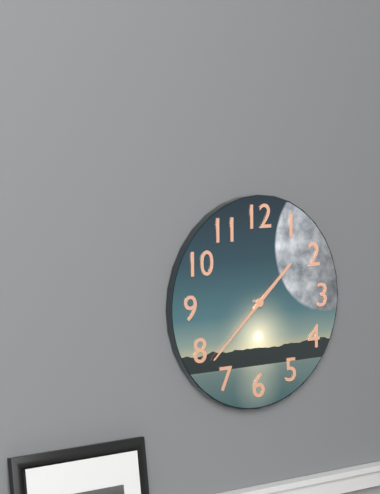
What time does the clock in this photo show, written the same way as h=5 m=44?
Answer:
h=1 m=38
